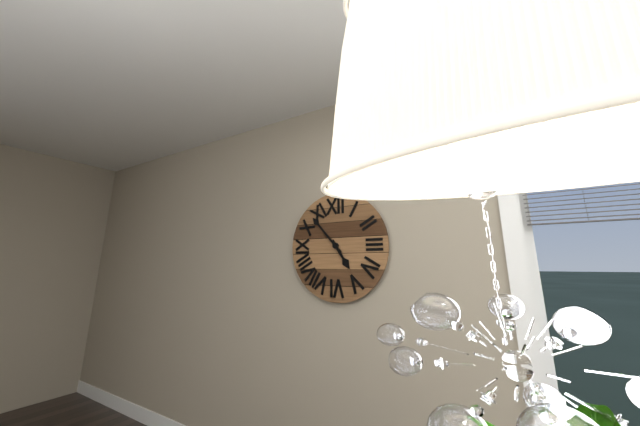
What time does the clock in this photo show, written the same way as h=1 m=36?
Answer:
h=4 m=53
